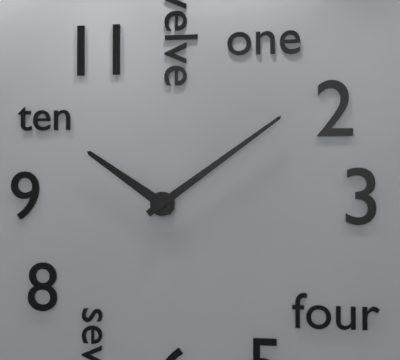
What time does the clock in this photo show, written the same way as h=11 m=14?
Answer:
h=10 m=9
